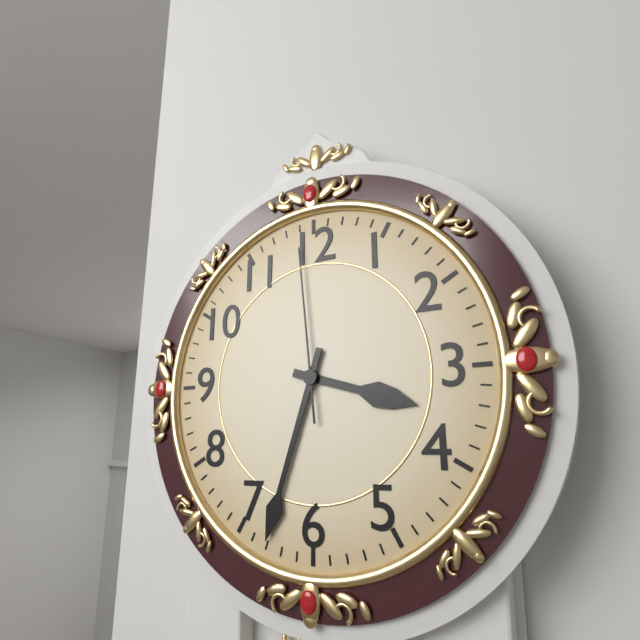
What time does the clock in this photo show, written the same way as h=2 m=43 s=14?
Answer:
h=3 m=33 s=59
